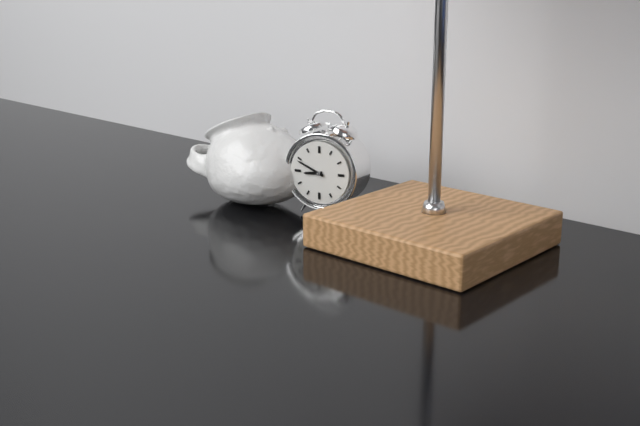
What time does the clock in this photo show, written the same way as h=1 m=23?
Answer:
h=8 m=49
